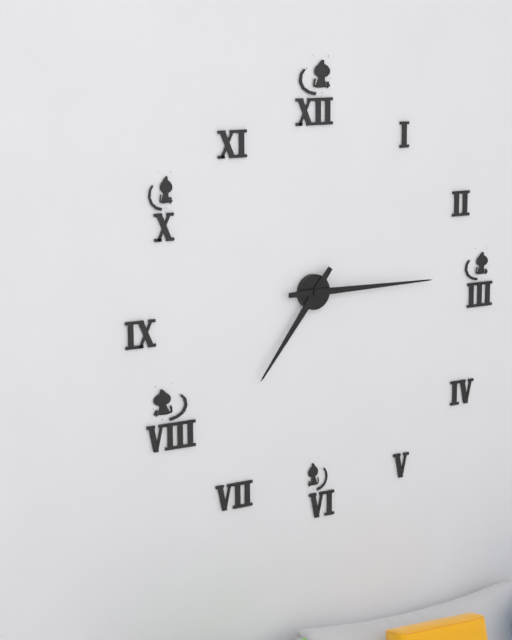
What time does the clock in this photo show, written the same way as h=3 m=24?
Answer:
h=7 m=15
